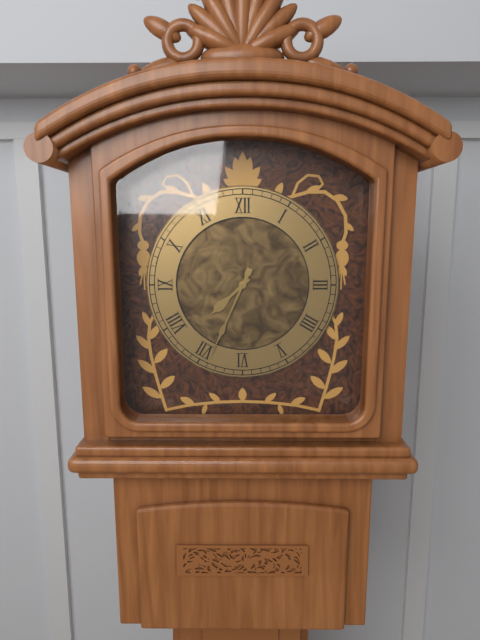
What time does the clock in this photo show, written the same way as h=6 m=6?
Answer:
h=7 m=34
